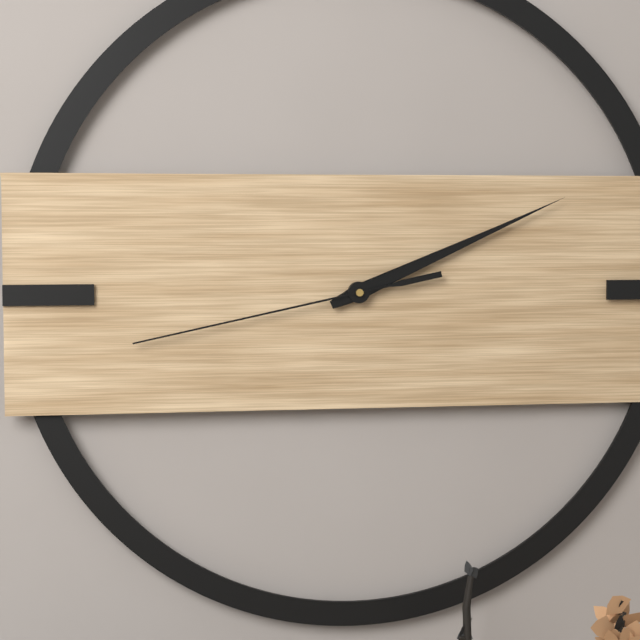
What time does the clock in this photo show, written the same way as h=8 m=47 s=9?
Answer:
h=2 m=11 s=43
